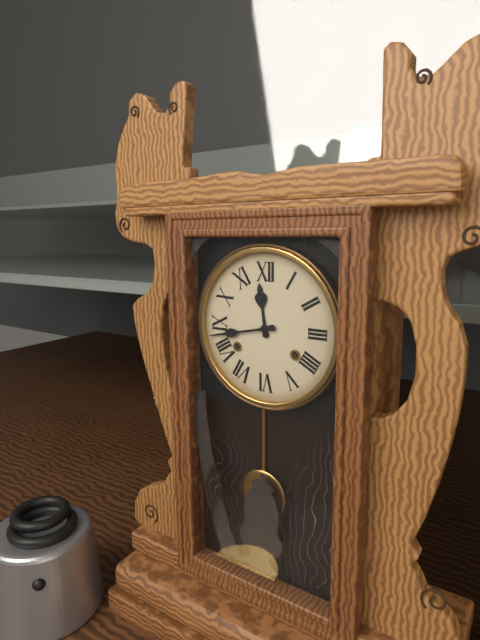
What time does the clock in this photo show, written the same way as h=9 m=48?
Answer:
h=11 m=43
